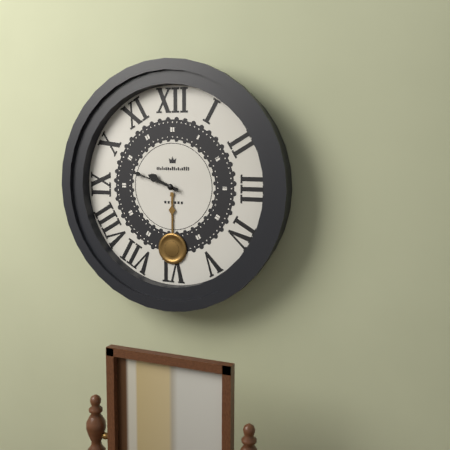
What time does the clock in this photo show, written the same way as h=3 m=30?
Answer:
h=9 m=48
